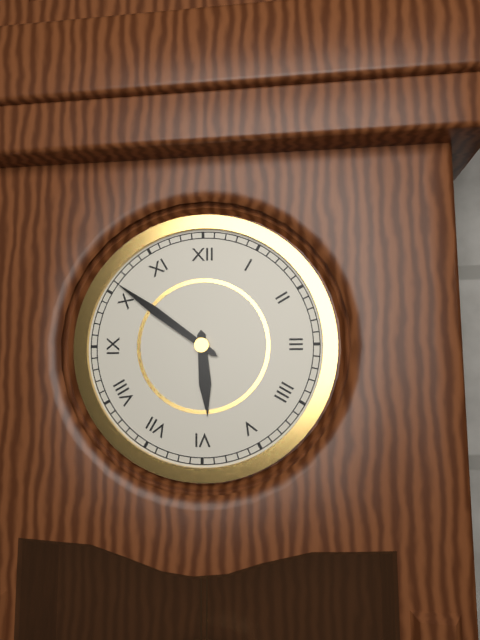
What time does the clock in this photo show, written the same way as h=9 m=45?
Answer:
h=5 m=51
